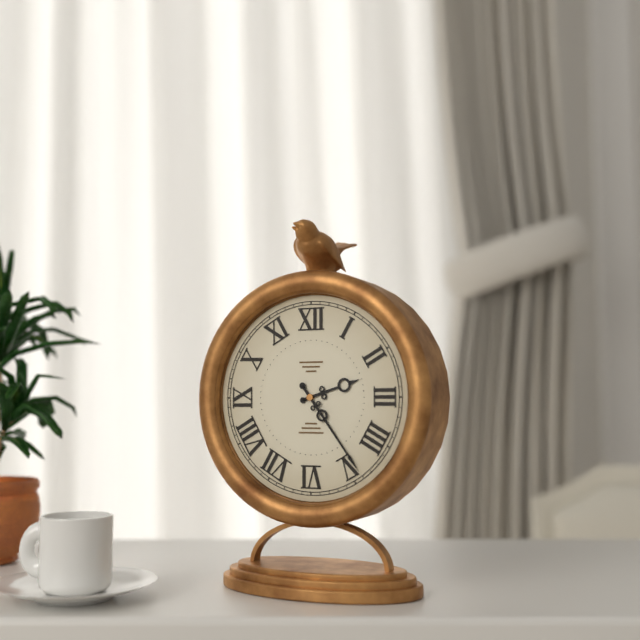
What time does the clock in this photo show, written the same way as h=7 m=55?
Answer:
h=2 m=24
